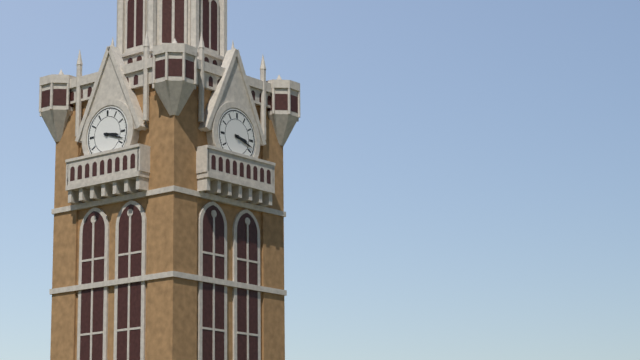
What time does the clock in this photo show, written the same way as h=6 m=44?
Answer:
h=3 m=18
